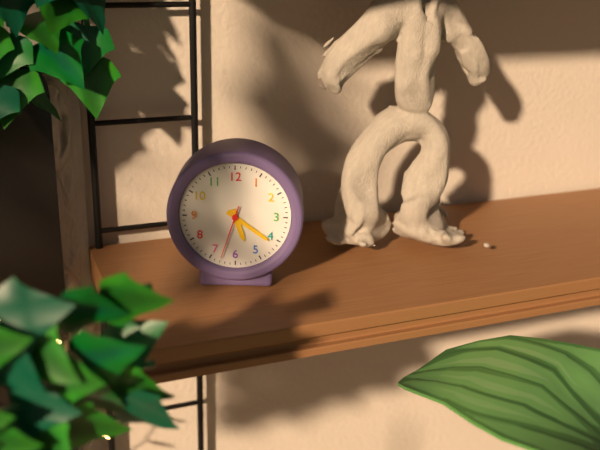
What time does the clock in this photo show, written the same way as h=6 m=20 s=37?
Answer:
h=5 m=21 s=33
